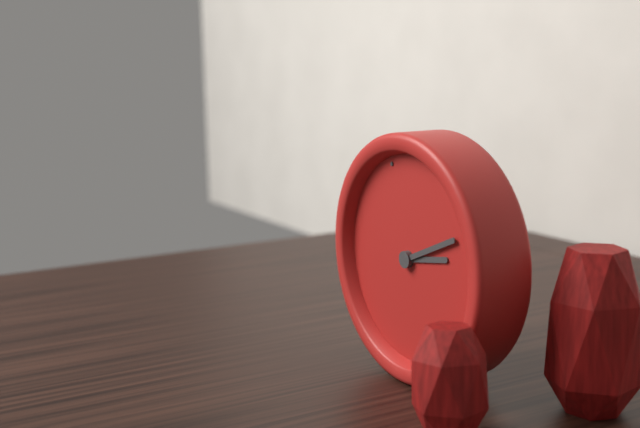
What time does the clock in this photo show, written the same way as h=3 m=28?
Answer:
h=3 m=14
